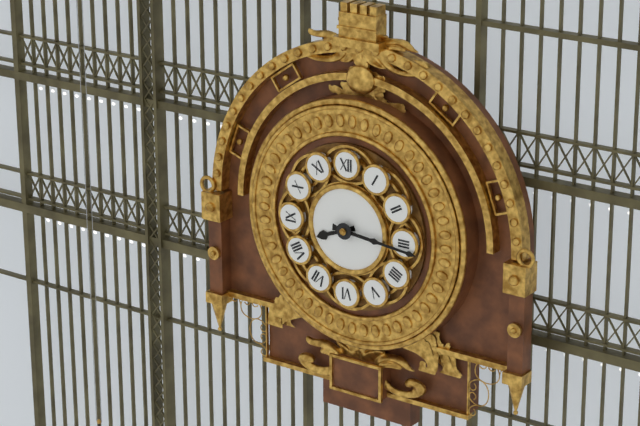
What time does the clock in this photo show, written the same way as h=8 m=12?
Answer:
h=8 m=16
